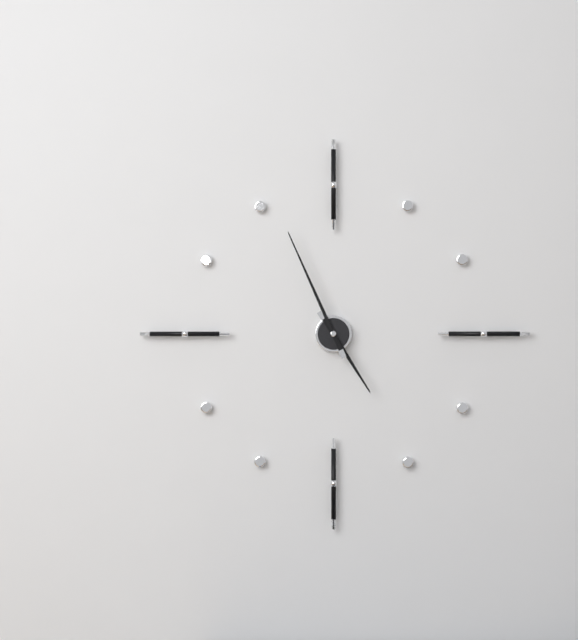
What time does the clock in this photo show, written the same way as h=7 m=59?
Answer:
h=4 m=56
